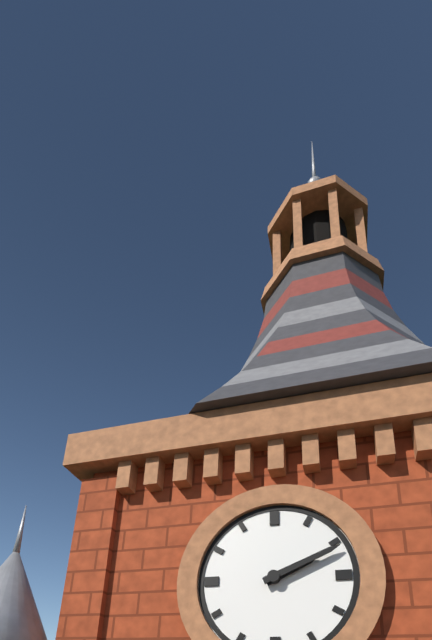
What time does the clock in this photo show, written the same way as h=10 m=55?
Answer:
h=2 m=11
